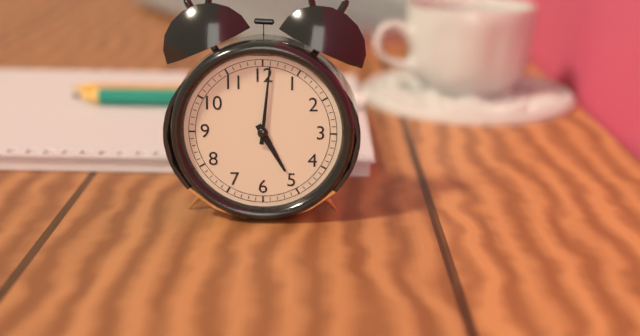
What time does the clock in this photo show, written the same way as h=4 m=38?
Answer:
h=5 m=1
